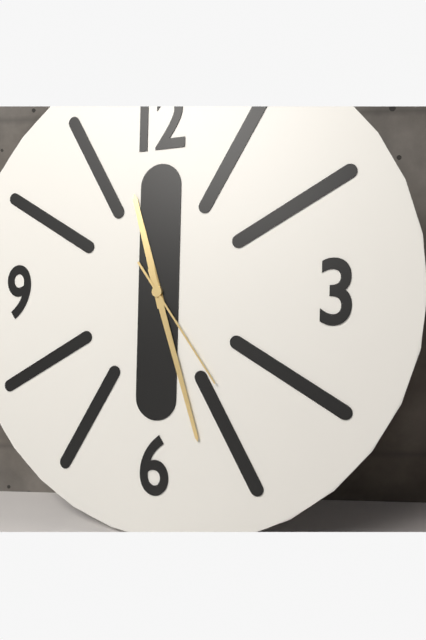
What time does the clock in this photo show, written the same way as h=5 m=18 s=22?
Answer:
h=11 m=27 s=24
